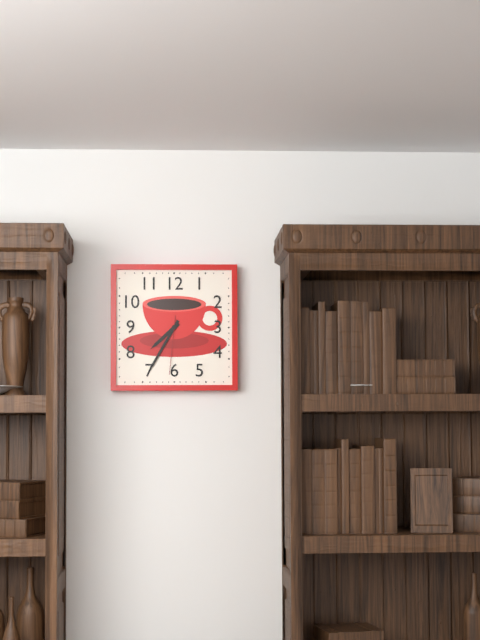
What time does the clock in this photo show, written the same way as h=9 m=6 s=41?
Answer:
h=7 m=35 s=31
